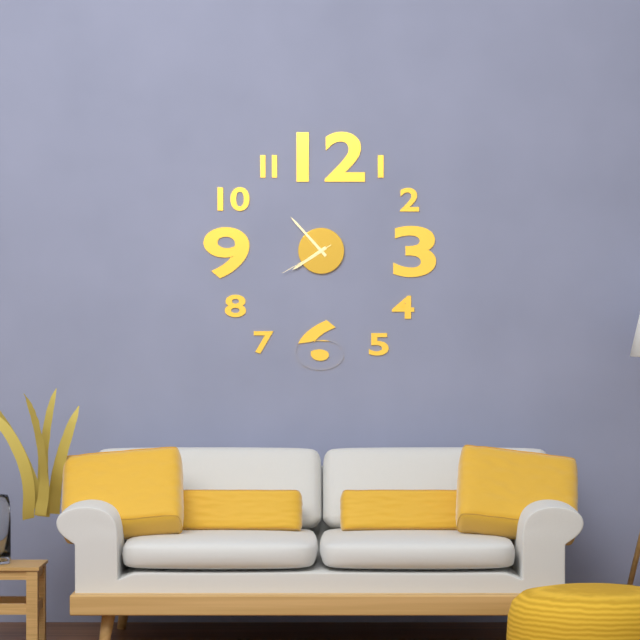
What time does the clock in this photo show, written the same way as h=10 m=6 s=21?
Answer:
h=7 m=53 s=40
